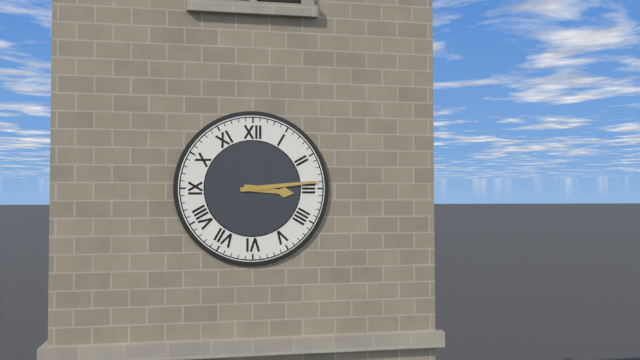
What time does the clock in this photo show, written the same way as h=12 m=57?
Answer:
h=3 m=14
